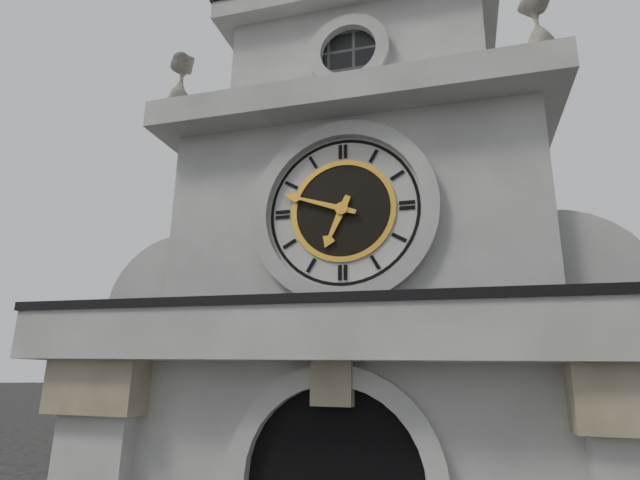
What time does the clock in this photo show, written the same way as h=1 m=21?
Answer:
h=6 m=48
